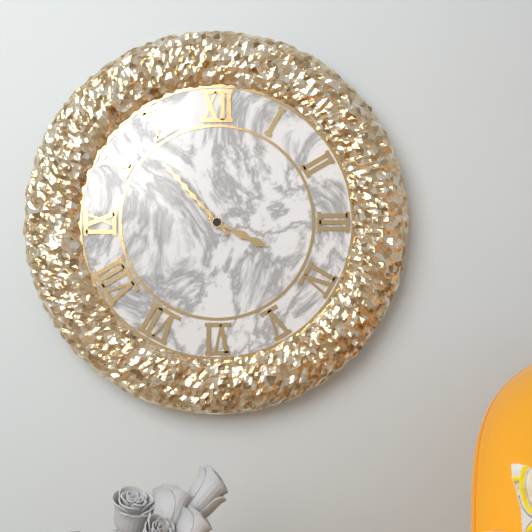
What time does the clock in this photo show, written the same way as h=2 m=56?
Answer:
h=3 m=53
